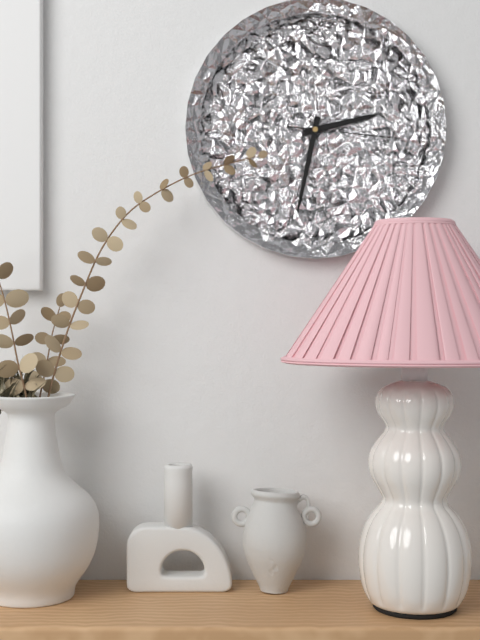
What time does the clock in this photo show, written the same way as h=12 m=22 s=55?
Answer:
h=2 m=32 s=16
